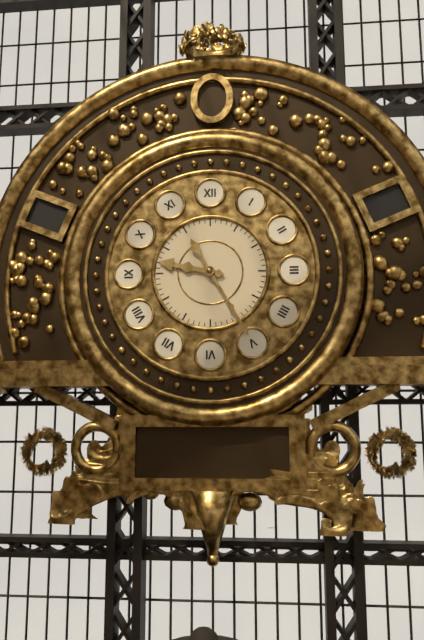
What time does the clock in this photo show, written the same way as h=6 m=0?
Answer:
h=9 m=25
